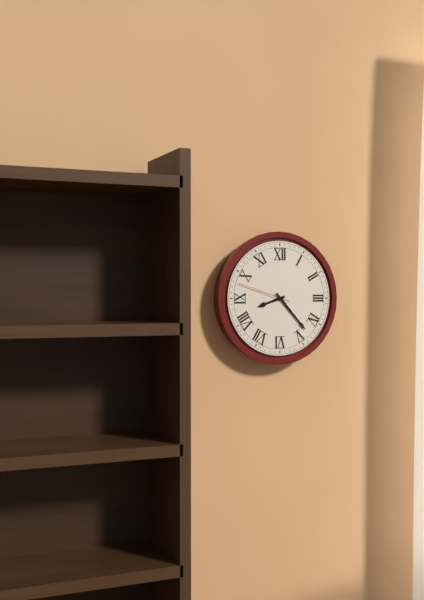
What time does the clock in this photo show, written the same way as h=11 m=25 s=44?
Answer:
h=8 m=23 s=48
